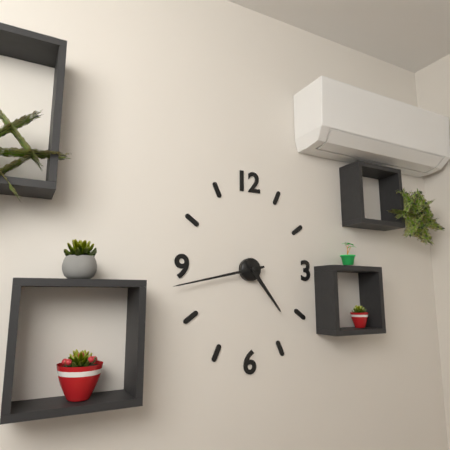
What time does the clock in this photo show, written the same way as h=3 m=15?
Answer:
h=4 m=43
